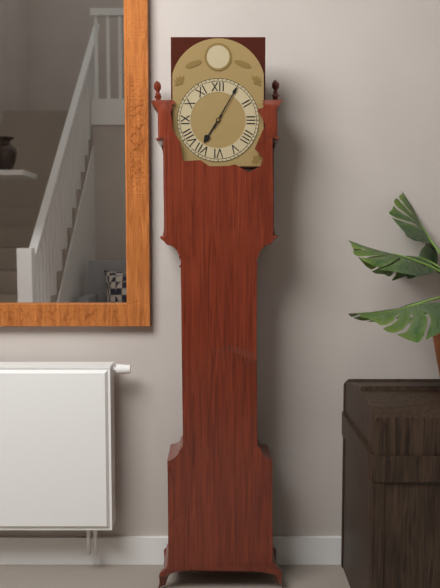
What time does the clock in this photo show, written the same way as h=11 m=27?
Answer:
h=7 m=5
